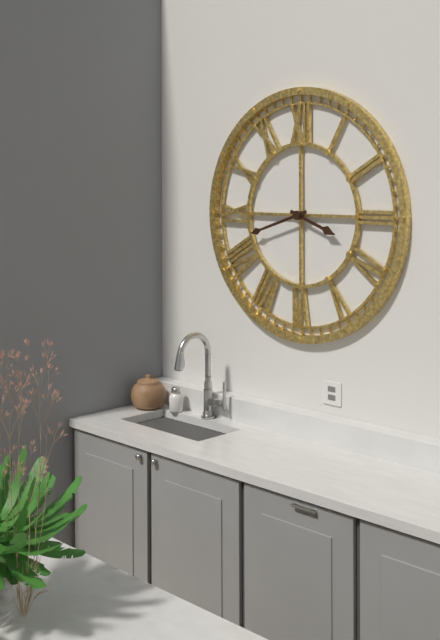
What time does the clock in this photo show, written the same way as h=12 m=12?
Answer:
h=3 m=42
